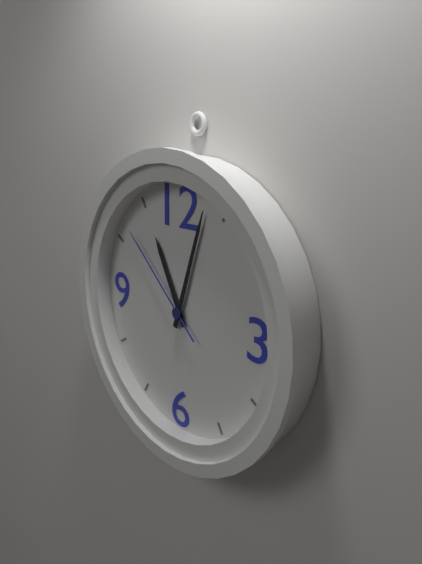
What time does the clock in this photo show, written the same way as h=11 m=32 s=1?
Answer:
h=11 m=3 s=52
